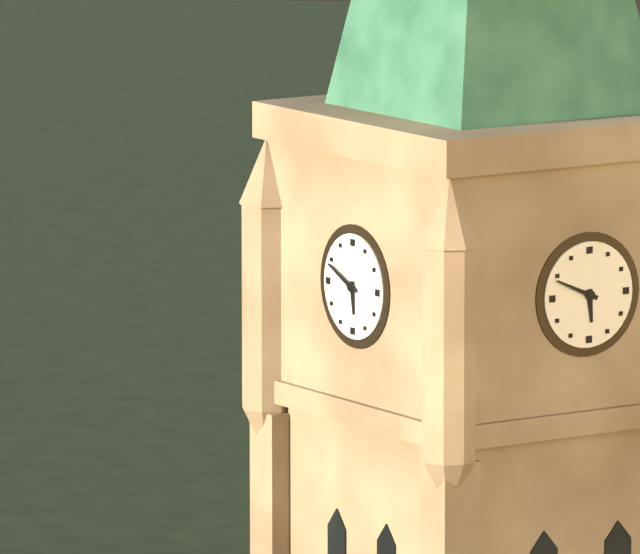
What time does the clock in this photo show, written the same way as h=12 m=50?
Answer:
h=5 m=49
